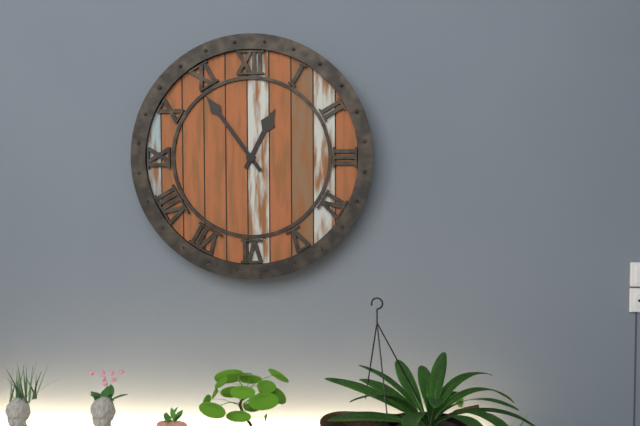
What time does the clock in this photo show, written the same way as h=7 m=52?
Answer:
h=12 m=54
